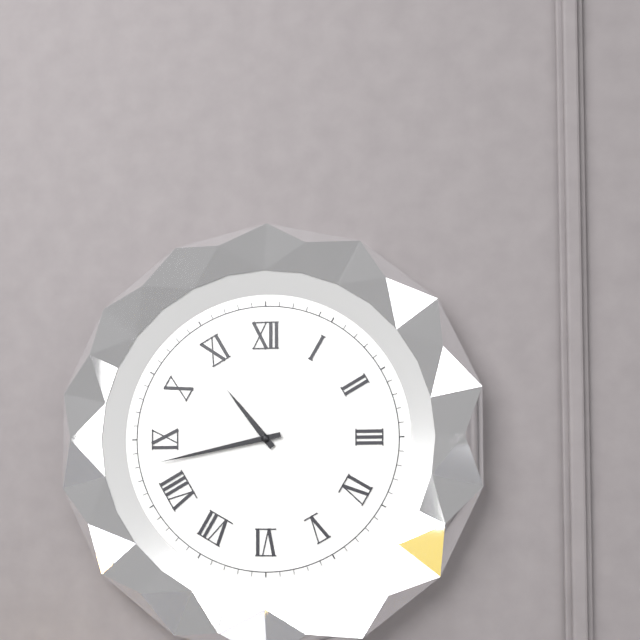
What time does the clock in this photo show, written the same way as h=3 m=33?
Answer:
h=10 m=43
